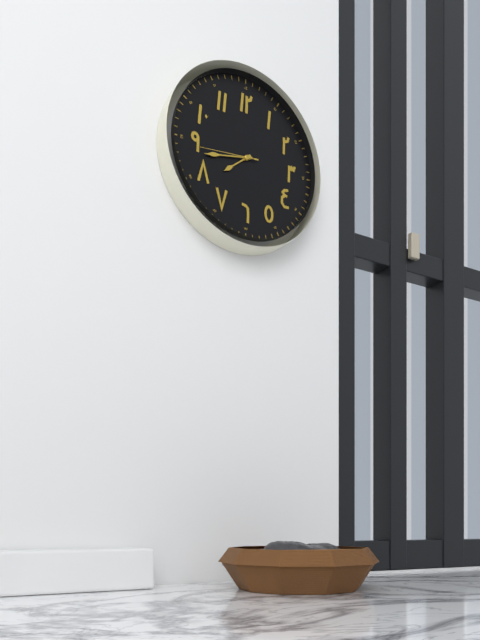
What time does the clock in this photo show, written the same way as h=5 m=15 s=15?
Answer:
h=7 m=43 s=44
